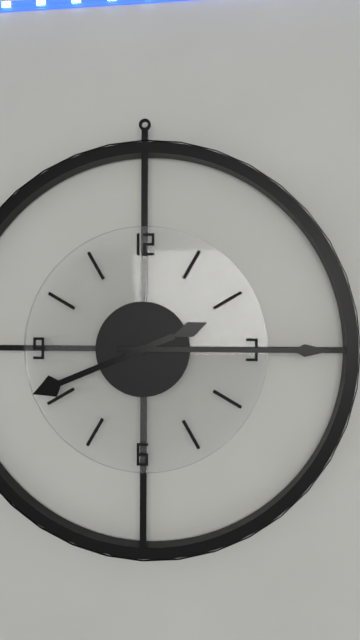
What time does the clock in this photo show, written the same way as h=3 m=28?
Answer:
h=8 m=15
